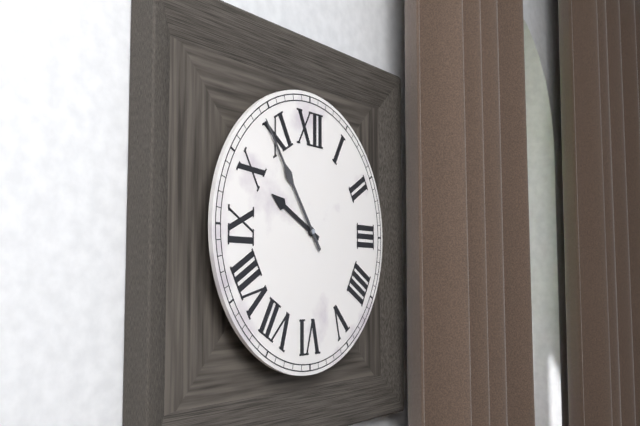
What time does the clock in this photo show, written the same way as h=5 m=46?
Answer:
h=9 m=54
